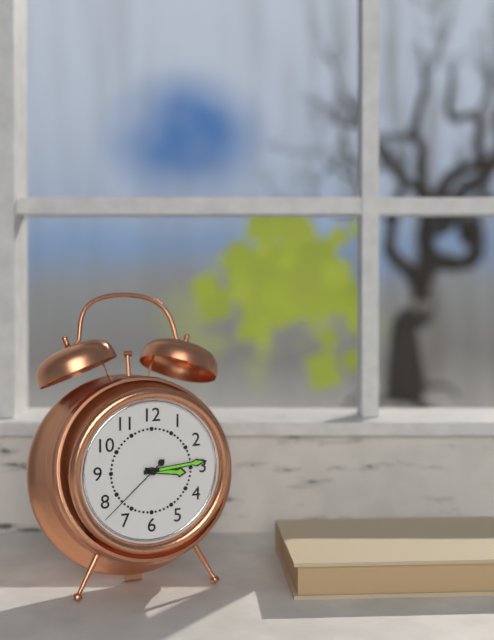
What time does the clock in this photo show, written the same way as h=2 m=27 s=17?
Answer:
h=3 m=14 s=38
